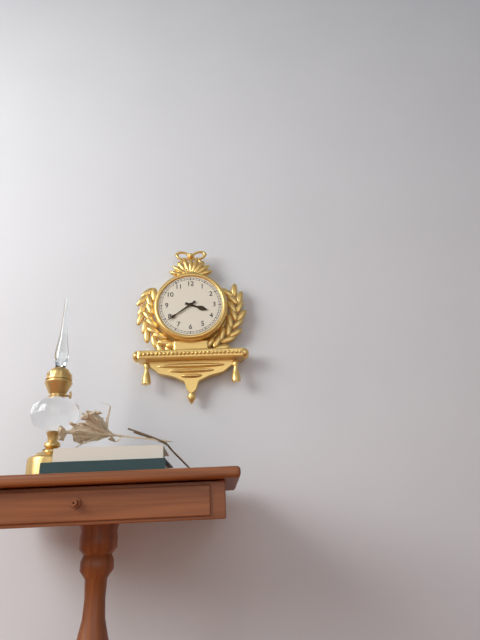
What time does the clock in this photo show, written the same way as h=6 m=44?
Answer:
h=3 m=39
